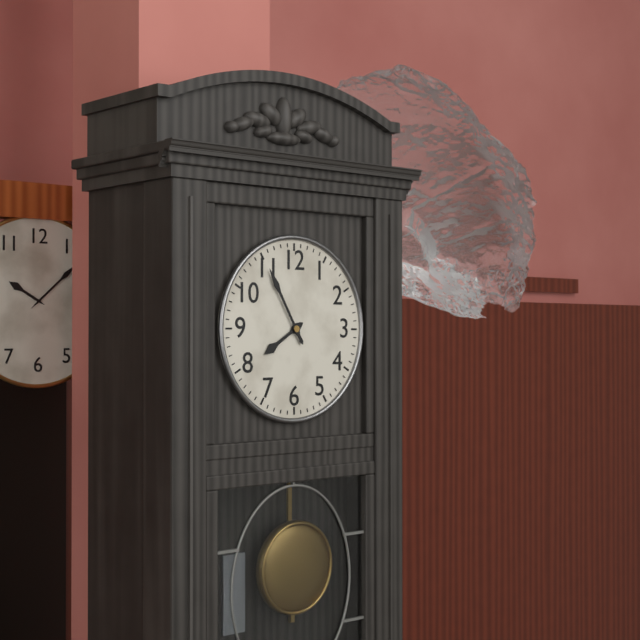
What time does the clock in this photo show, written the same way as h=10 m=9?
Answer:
h=7 m=55
